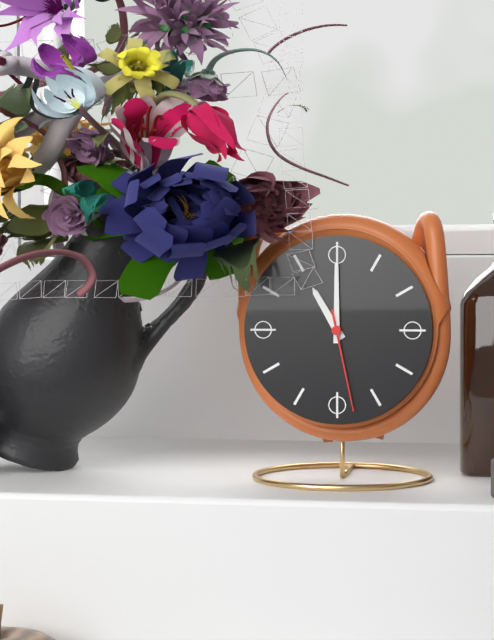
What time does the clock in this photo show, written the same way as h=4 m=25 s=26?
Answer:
h=11 m=0 s=28
